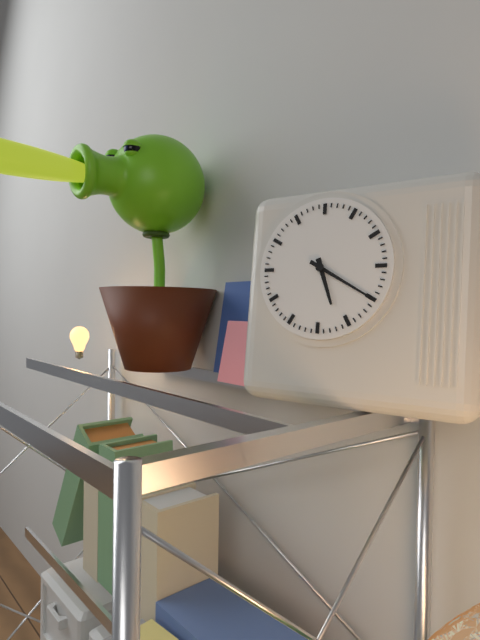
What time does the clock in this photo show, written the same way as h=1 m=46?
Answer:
h=5 m=20
